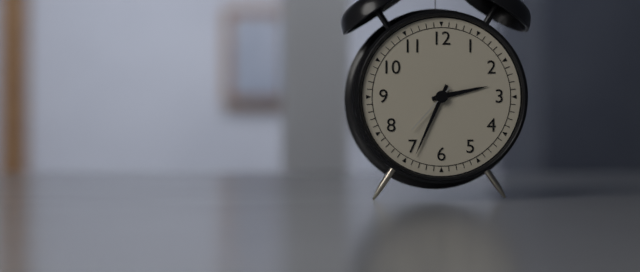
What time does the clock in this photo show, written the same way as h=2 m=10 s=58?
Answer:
h=2 m=34 s=37
